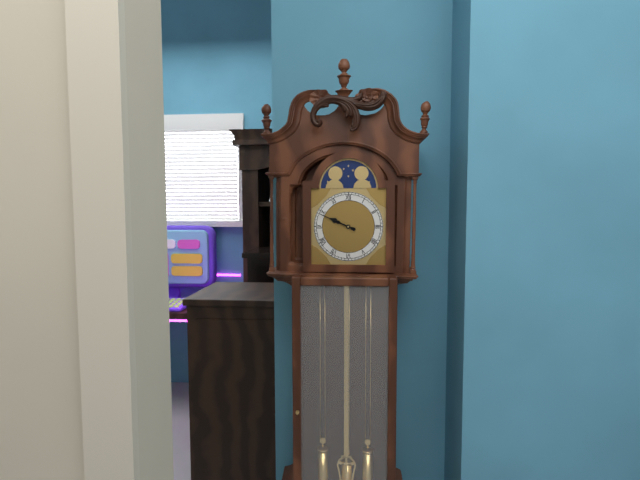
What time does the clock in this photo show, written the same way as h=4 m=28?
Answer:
h=9 m=49
